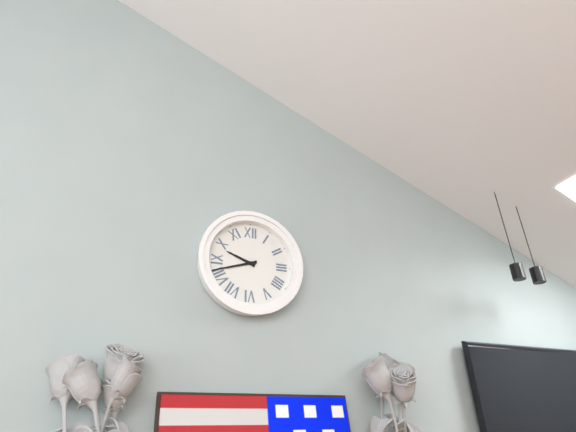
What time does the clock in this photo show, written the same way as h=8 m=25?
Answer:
h=9 m=42
